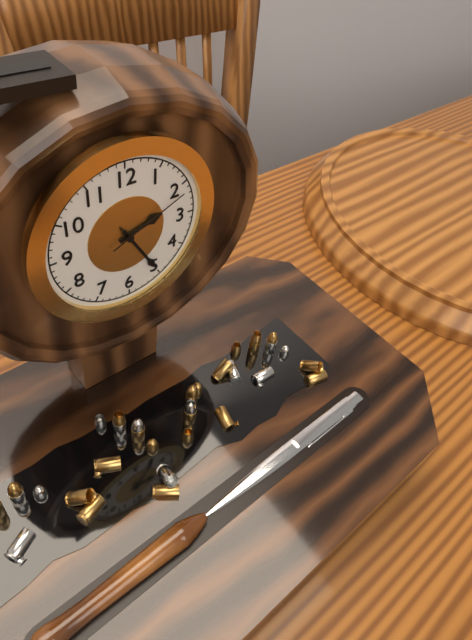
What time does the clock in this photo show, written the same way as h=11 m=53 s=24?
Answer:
h=2 m=25 s=11
